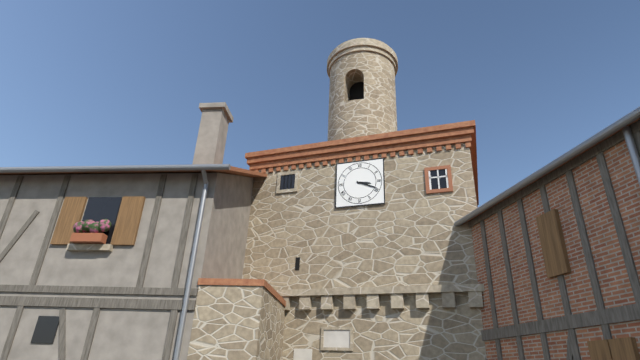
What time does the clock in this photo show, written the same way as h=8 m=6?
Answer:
h=3 m=19
